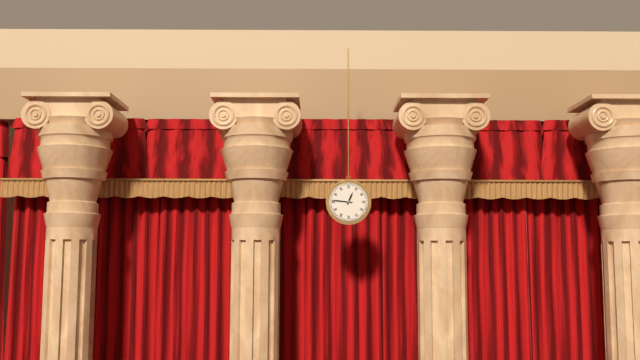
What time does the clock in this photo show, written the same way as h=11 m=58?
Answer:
h=12 m=46
